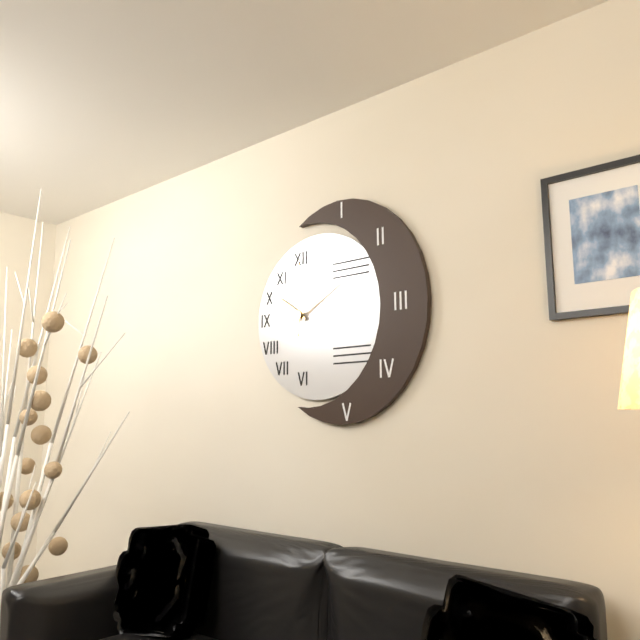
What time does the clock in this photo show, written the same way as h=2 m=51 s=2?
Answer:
h=10 m=10 s=0
